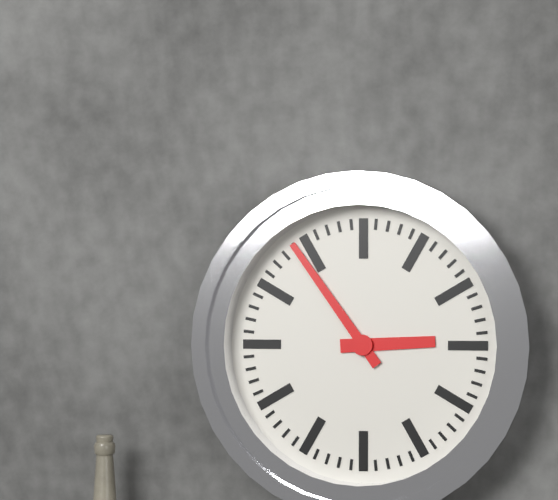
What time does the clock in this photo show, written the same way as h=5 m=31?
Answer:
h=2 m=54
